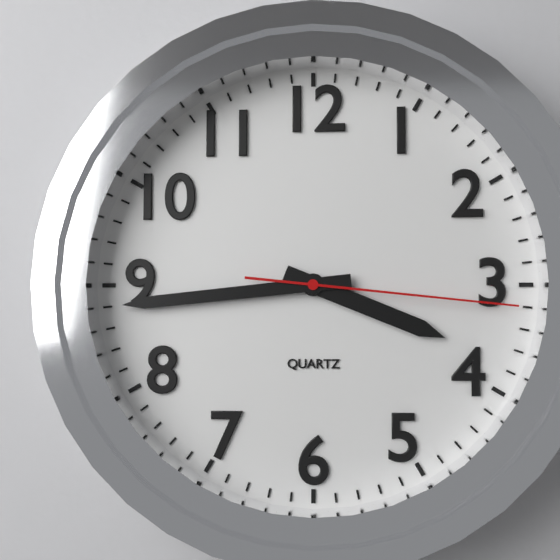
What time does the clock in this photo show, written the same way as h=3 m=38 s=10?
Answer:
h=3 m=44 s=16
